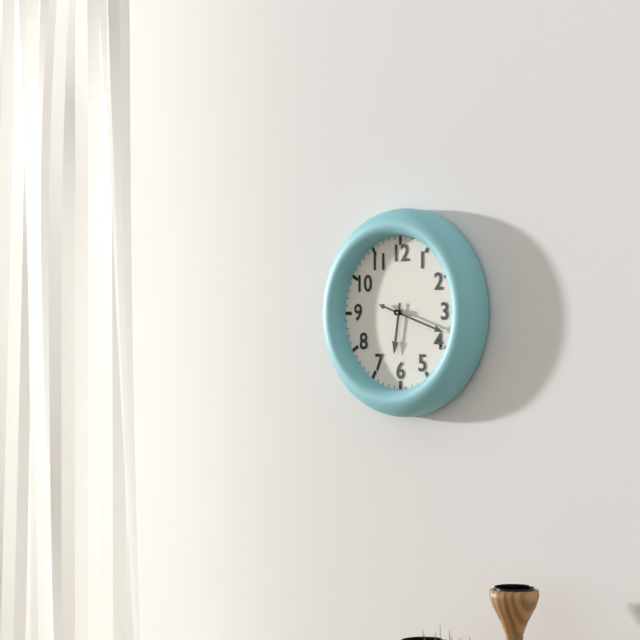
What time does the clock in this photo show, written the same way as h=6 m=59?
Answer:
h=6 m=18
